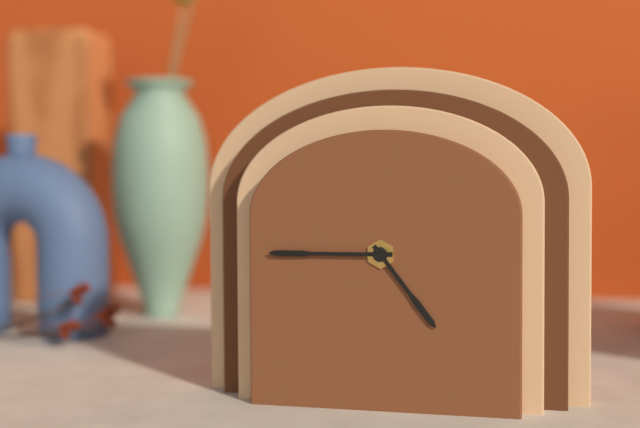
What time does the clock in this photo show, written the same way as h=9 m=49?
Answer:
h=4 m=45
